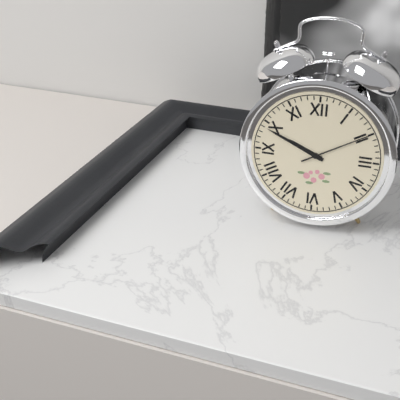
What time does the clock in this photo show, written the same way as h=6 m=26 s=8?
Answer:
h=9 m=49 s=10
